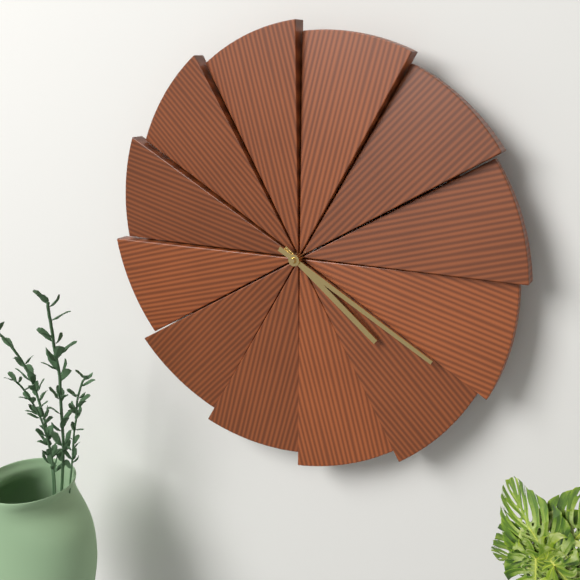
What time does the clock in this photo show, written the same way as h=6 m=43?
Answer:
h=4 m=20
